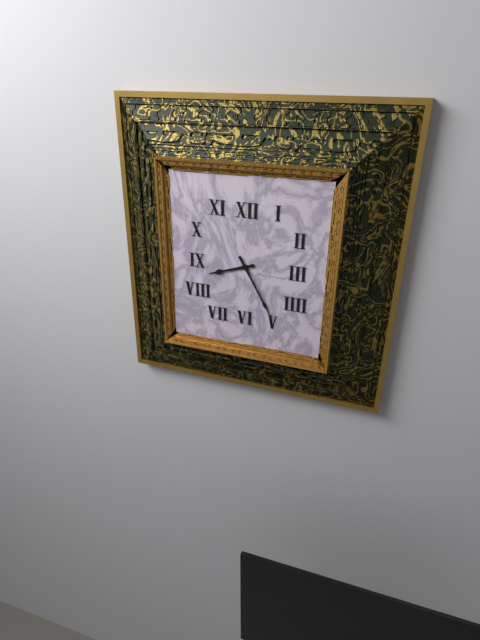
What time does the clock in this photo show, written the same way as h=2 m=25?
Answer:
h=8 m=25
